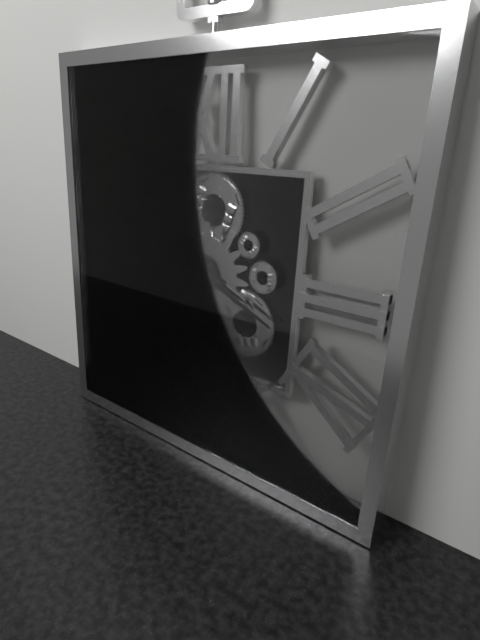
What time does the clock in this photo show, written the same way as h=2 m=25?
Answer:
h=3 m=47
